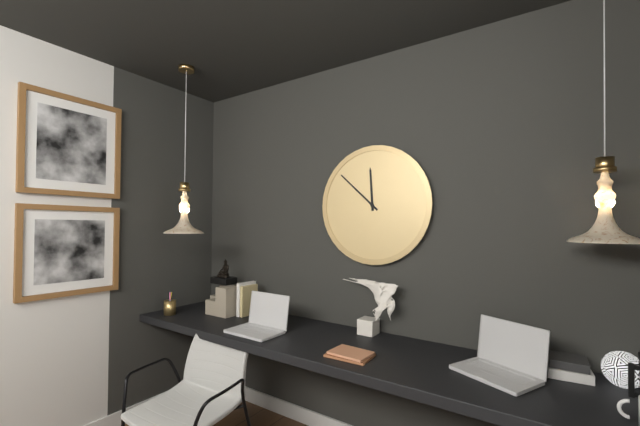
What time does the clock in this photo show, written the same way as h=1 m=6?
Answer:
h=11 m=52
